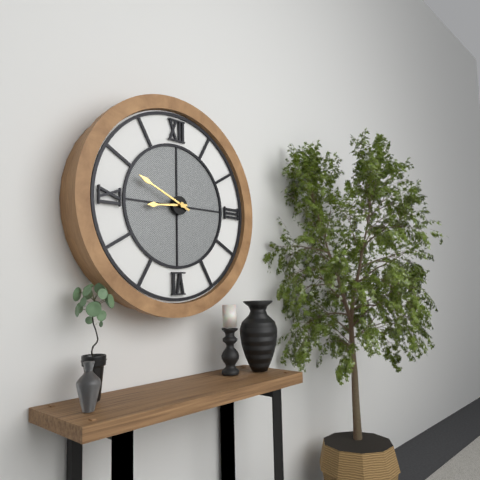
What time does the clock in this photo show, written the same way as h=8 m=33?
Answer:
h=8 m=49
